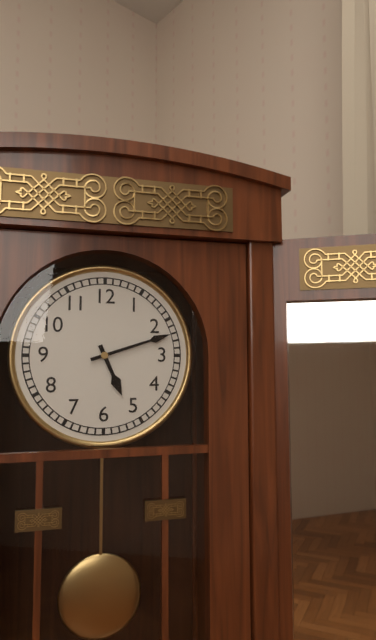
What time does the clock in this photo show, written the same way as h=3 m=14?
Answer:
h=5 m=12
